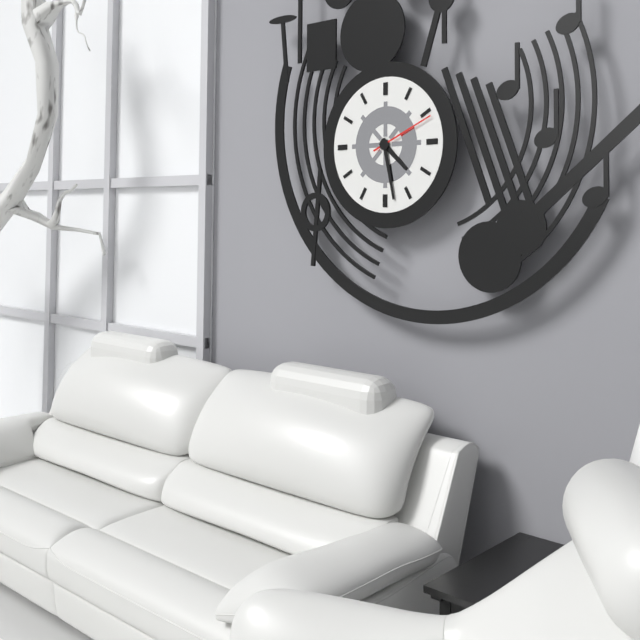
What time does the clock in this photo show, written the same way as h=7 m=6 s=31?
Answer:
h=4 m=28 s=11
